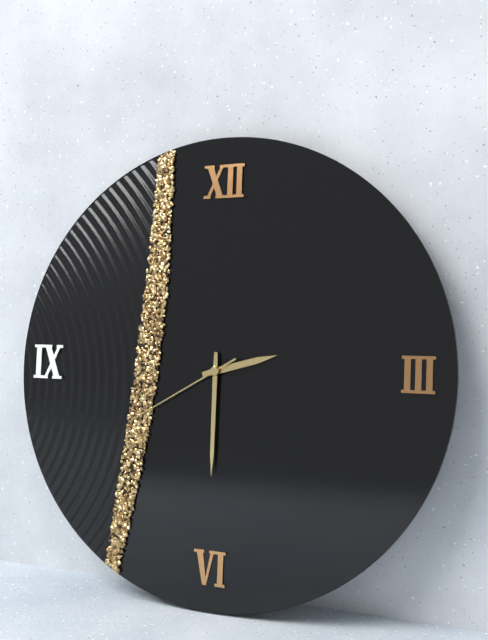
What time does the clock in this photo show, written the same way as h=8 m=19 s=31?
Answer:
h=2 m=30 s=40
